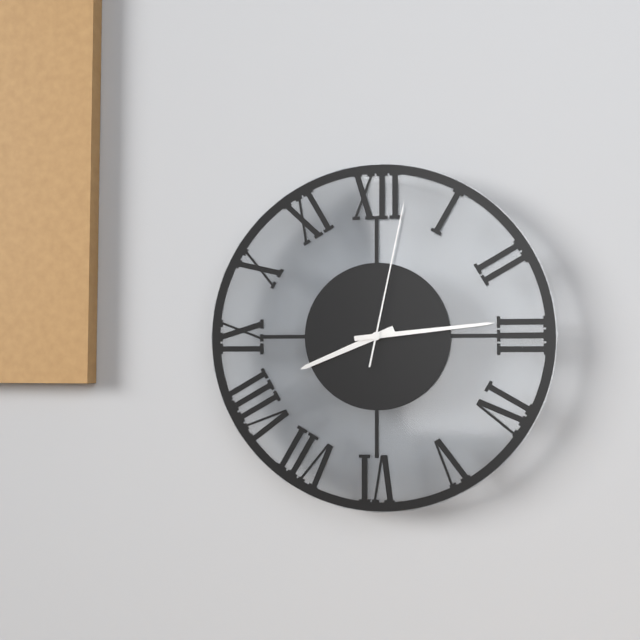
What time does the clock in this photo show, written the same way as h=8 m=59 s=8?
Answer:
h=8 m=14 s=2
